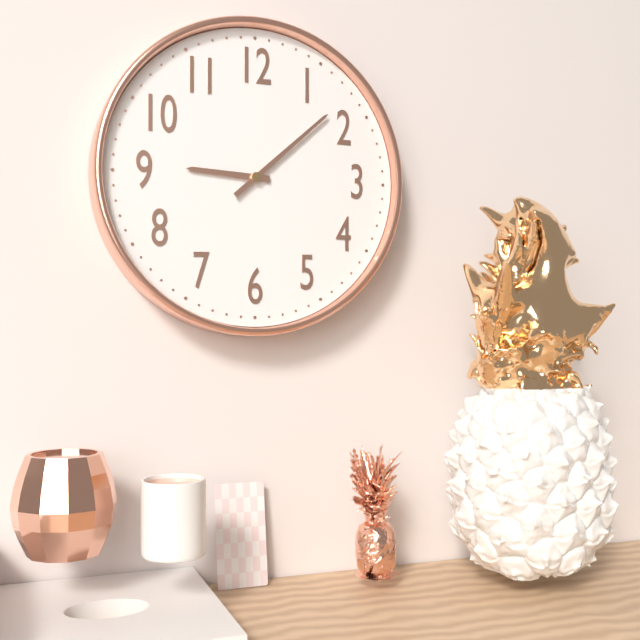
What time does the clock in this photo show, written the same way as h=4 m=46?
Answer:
h=9 m=8
